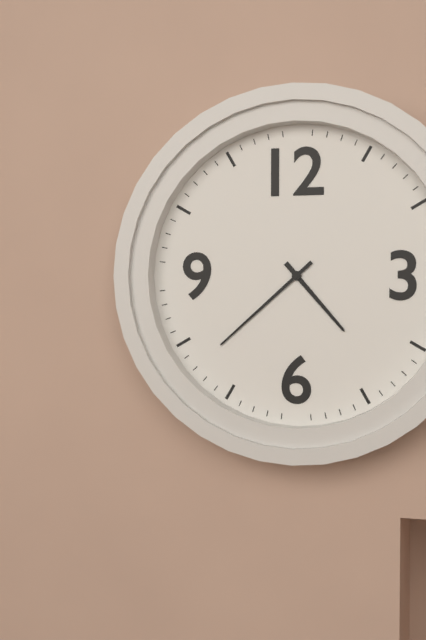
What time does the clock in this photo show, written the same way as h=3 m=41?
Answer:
h=4 m=38
